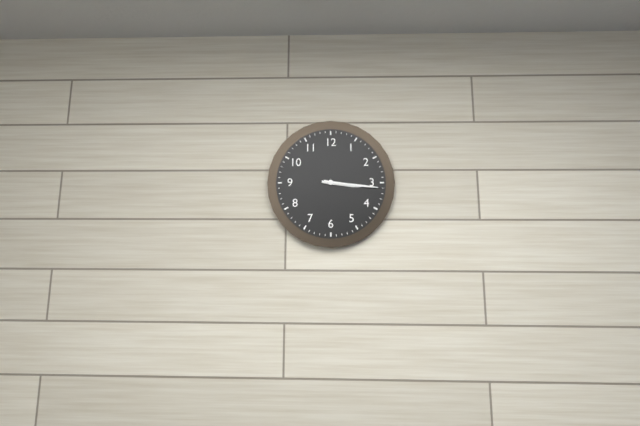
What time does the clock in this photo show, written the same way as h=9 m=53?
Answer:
h=3 m=16
